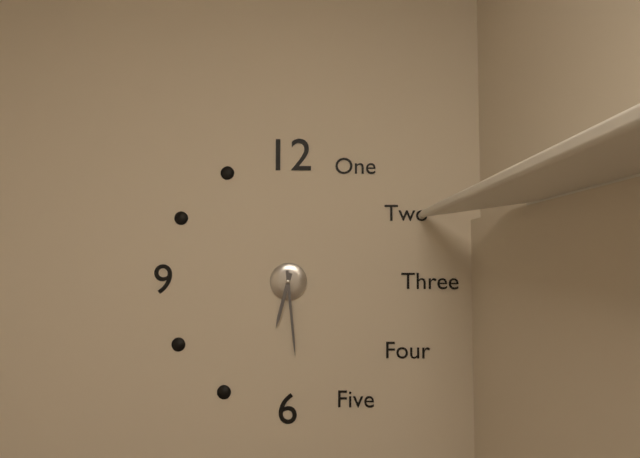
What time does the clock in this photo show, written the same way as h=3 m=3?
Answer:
h=6 m=29
